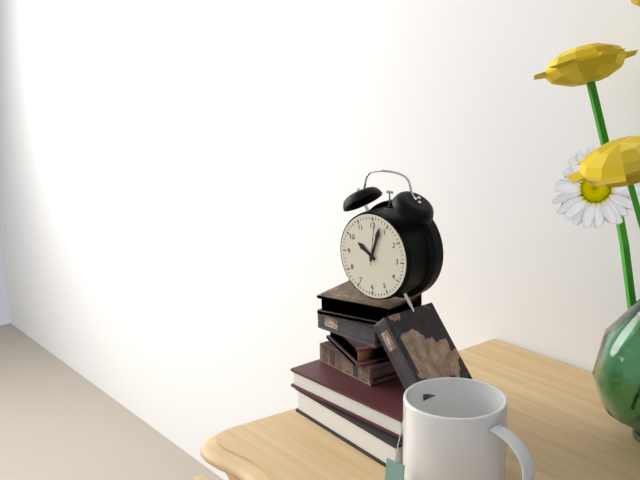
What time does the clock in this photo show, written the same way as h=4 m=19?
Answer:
h=10 m=3
